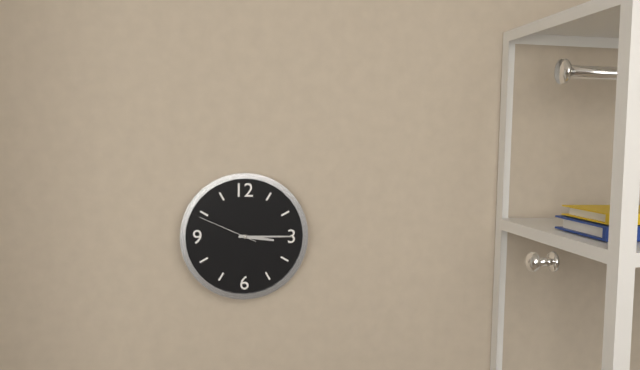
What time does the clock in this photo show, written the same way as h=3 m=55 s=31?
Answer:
h=3 m=15 s=49
